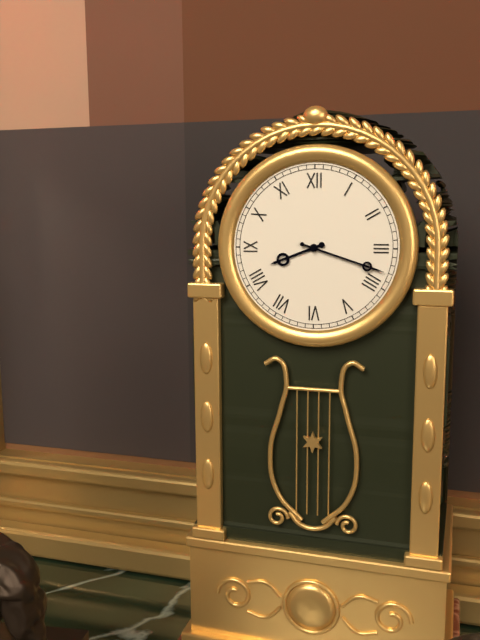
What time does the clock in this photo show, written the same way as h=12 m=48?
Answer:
h=8 m=18
